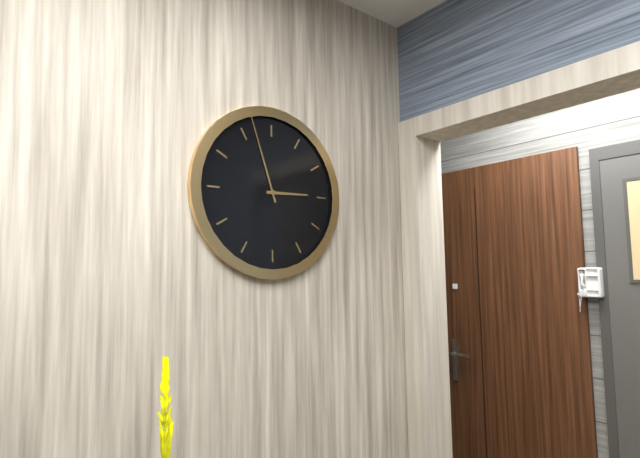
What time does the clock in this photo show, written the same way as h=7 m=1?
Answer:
h=2 m=57
